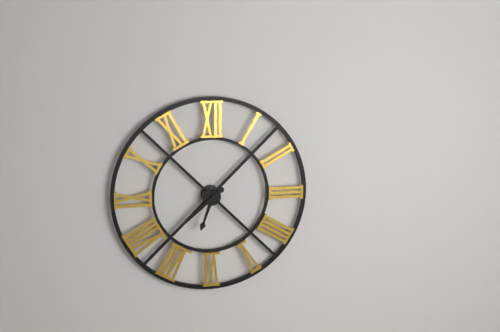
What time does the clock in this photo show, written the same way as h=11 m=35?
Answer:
h=6 m=38
